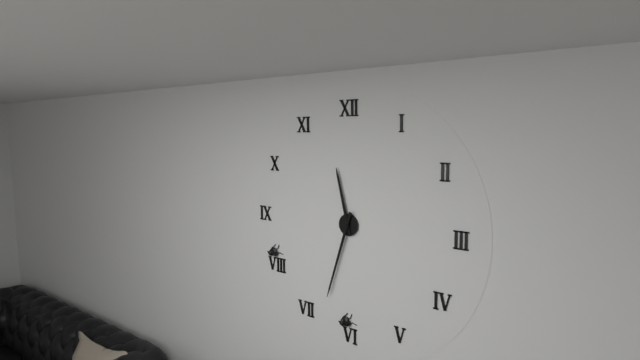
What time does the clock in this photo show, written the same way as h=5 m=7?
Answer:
h=11 m=33
